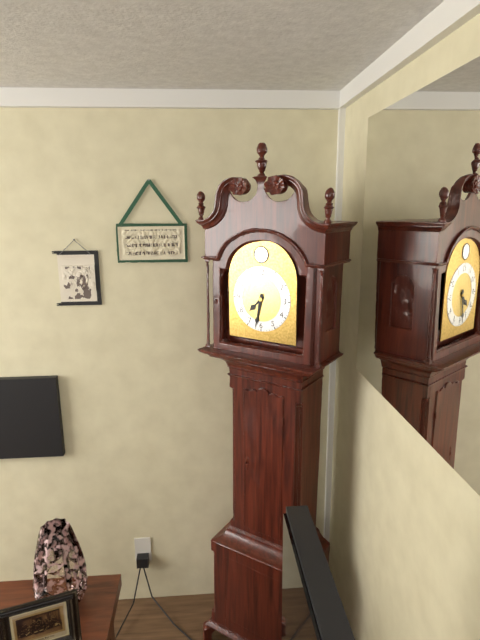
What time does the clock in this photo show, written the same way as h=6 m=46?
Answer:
h=7 m=32
